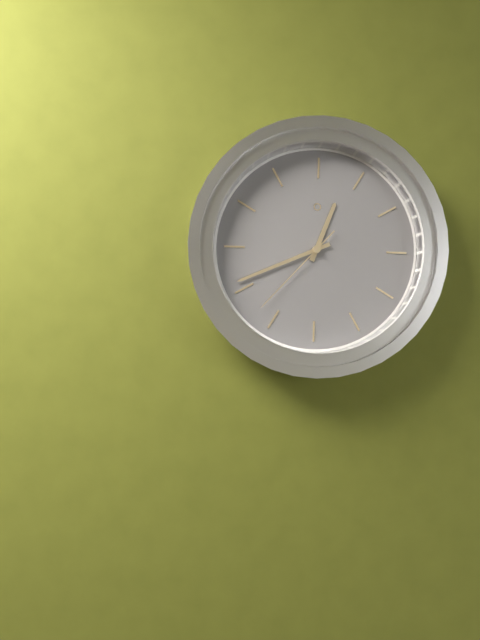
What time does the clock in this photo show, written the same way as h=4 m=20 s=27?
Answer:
h=12 m=41 s=37
